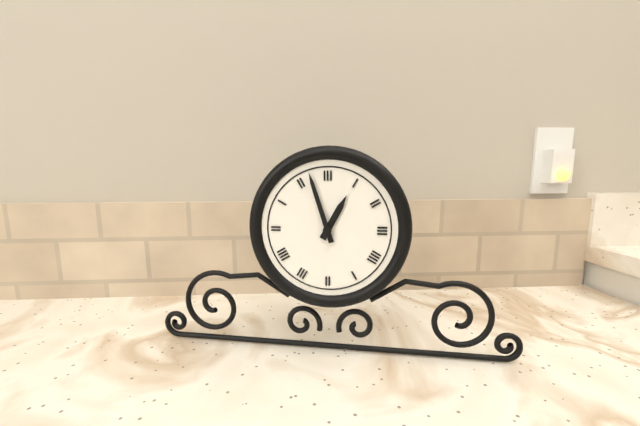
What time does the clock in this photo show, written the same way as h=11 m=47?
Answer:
h=12 m=57
